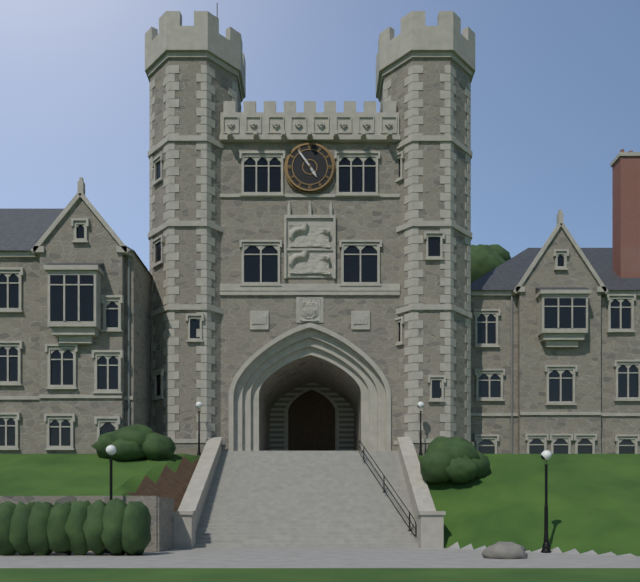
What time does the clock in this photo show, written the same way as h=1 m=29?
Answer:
h=4 m=54
